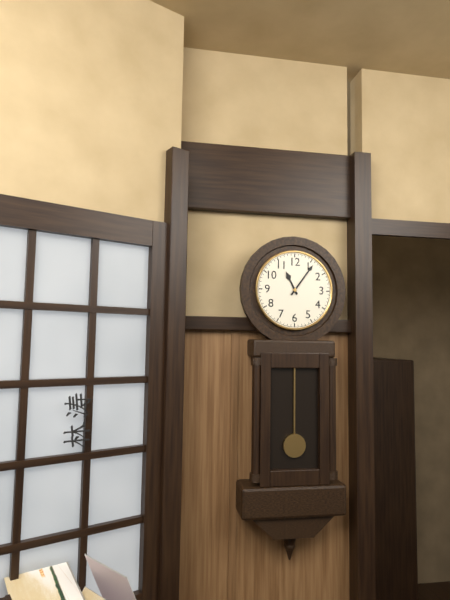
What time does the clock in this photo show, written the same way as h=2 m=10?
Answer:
h=11 m=6
